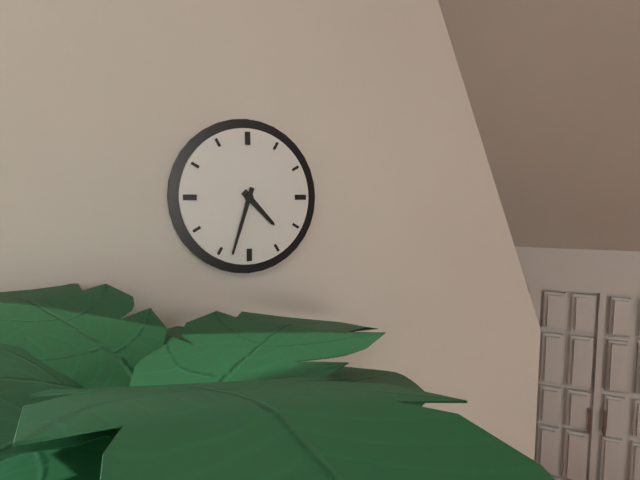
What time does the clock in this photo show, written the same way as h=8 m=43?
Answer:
h=4 m=33
